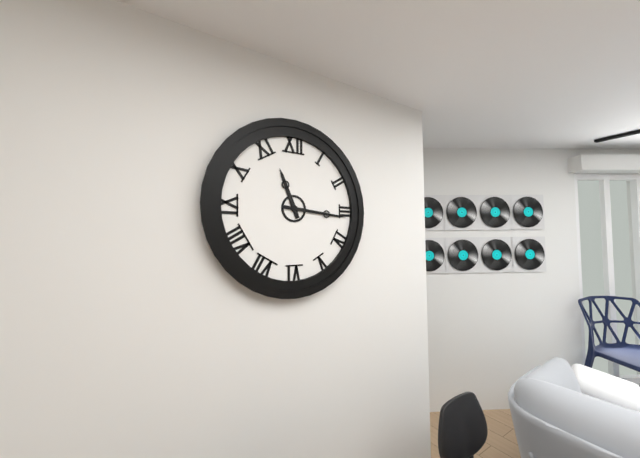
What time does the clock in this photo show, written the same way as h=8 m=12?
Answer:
h=11 m=16
